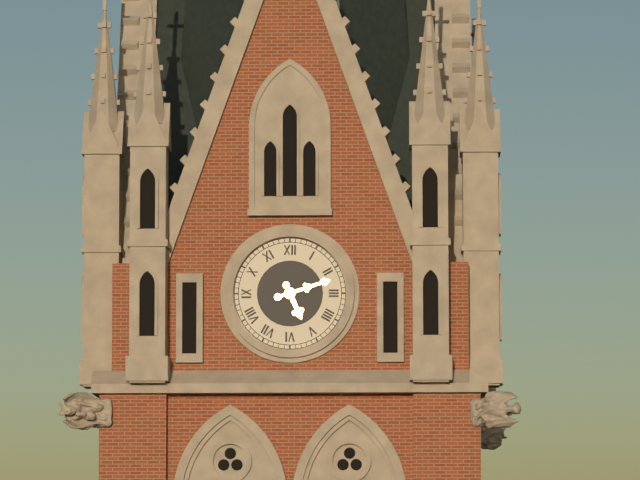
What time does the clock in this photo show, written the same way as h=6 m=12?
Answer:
h=5 m=12
